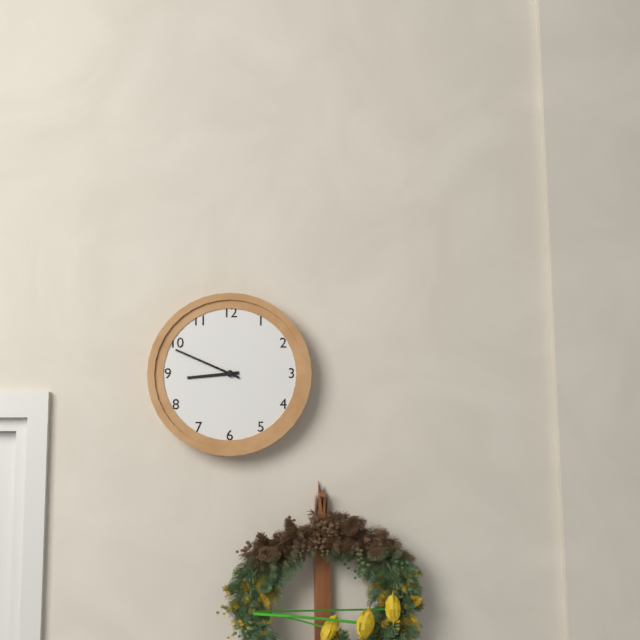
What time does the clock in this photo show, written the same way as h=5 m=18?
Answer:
h=8 m=49
